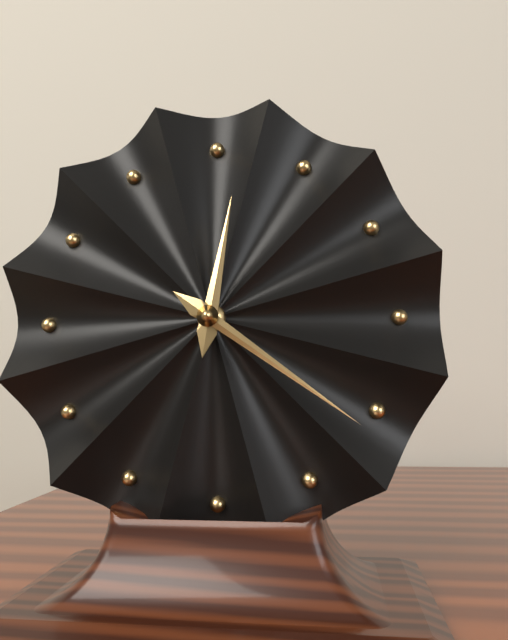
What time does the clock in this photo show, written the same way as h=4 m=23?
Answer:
h=12 m=21
